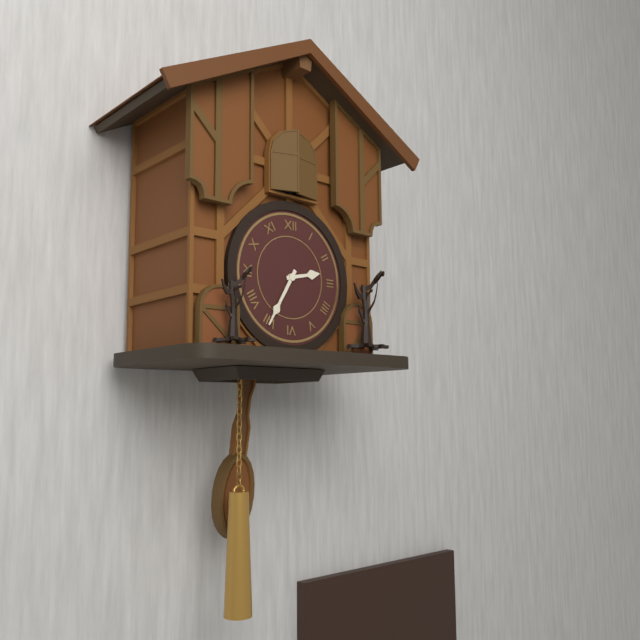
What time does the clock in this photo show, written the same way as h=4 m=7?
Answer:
h=2 m=35
